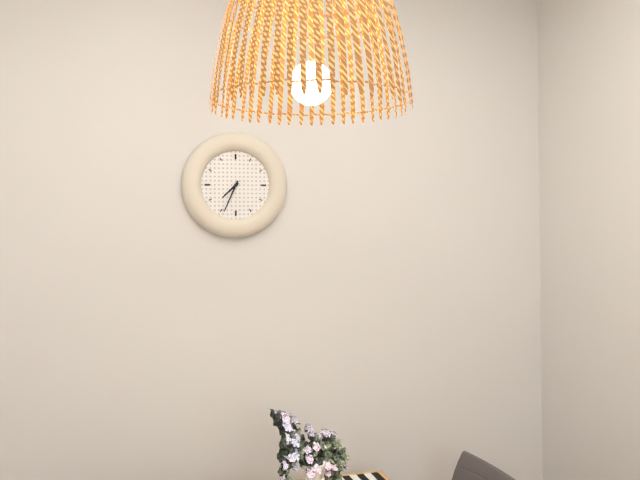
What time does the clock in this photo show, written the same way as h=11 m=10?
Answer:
h=7 m=34
